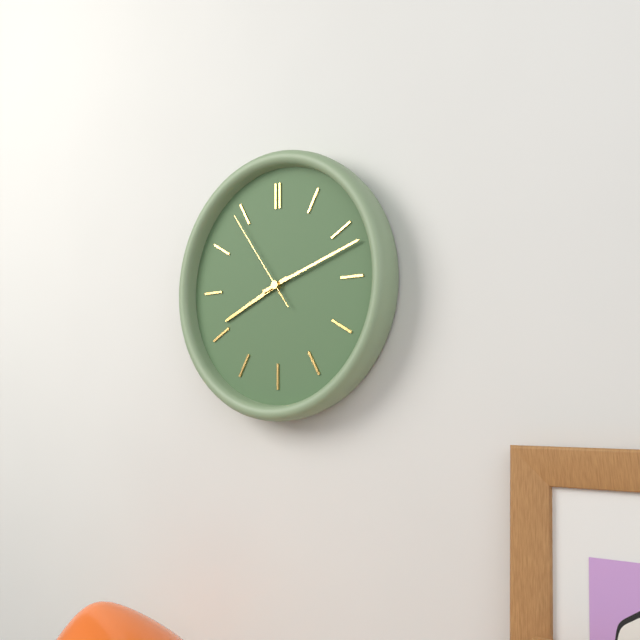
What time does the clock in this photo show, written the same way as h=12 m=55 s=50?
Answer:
h=8 m=12 s=54
